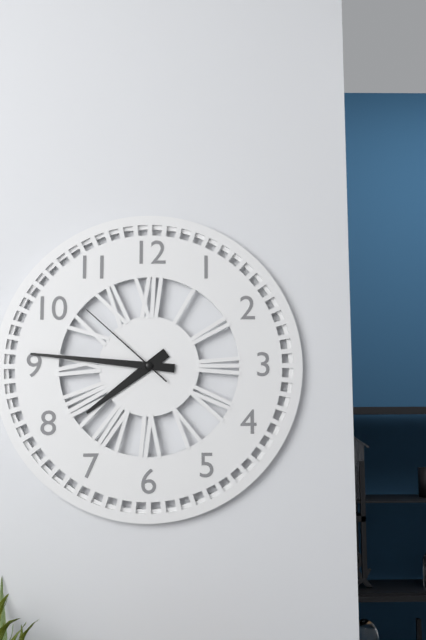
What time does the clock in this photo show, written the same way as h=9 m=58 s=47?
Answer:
h=7 m=46 s=52
